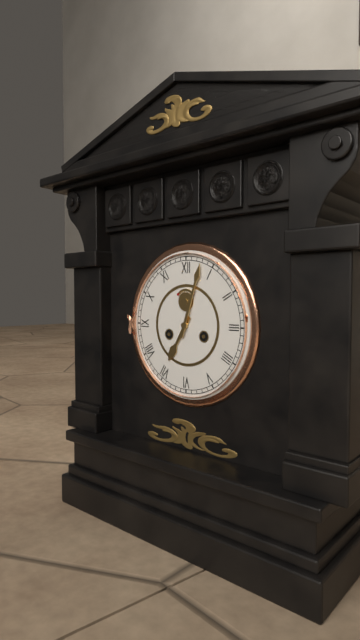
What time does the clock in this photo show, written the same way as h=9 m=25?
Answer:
h=7 m=3
